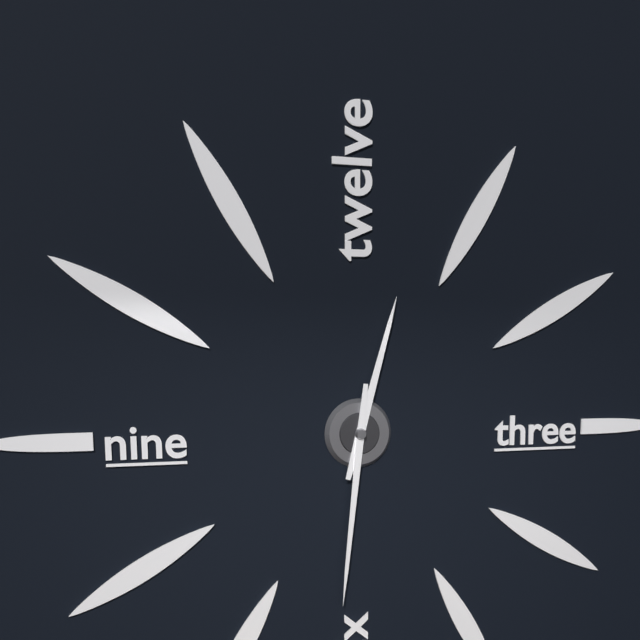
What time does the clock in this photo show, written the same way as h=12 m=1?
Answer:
h=12 m=31
